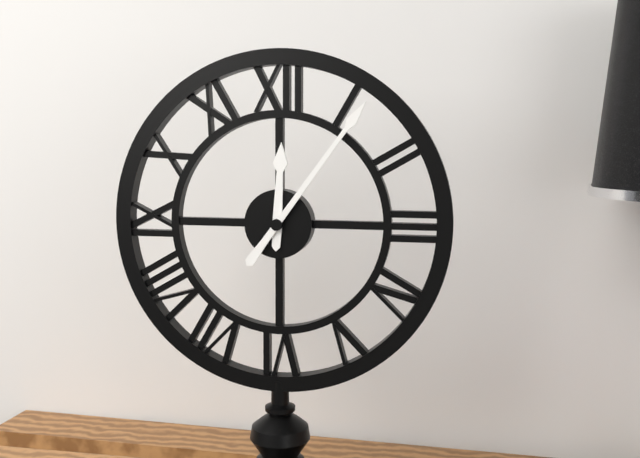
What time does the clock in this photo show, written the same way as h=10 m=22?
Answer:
h=12 m=6
